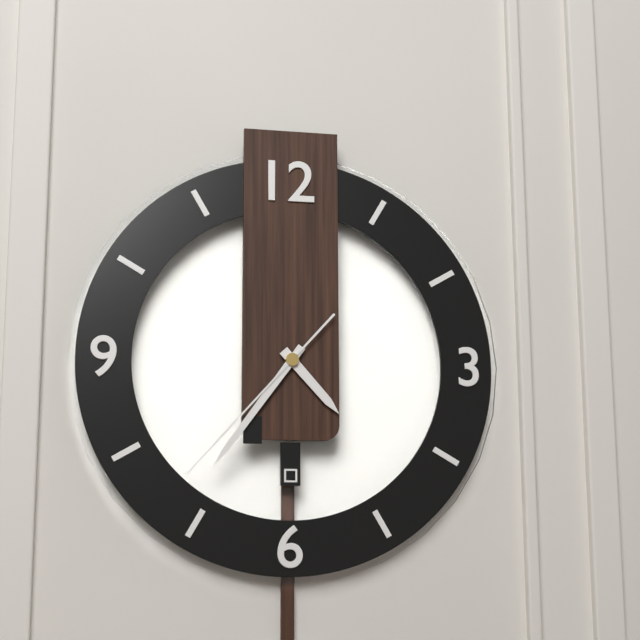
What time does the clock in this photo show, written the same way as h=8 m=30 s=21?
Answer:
h=4 m=36 s=37
